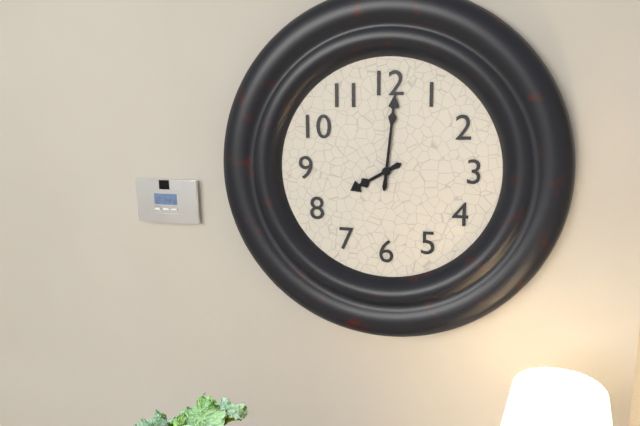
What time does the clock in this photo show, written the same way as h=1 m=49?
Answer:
h=8 m=1
